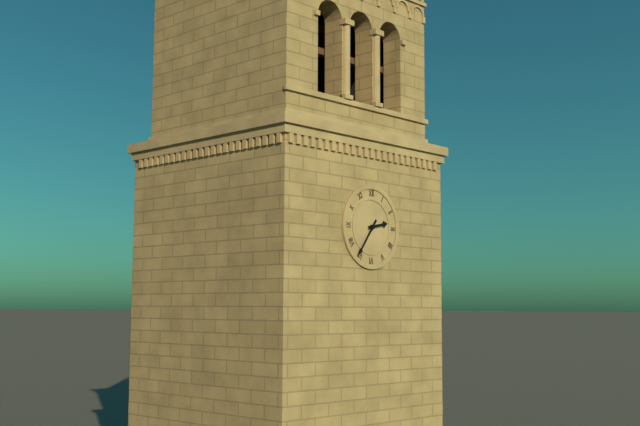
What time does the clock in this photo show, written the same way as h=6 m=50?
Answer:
h=2 m=36
